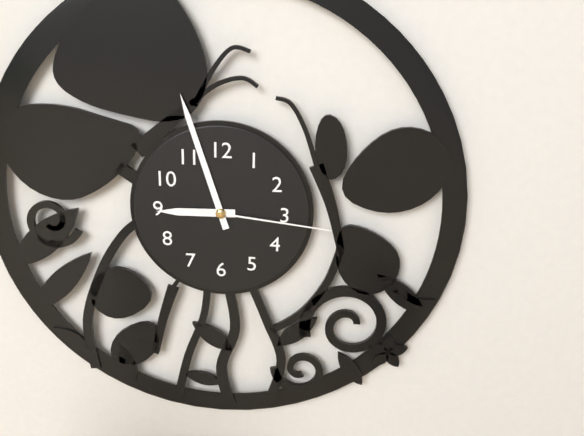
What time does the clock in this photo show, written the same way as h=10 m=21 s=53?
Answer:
h=8 m=57 s=16
